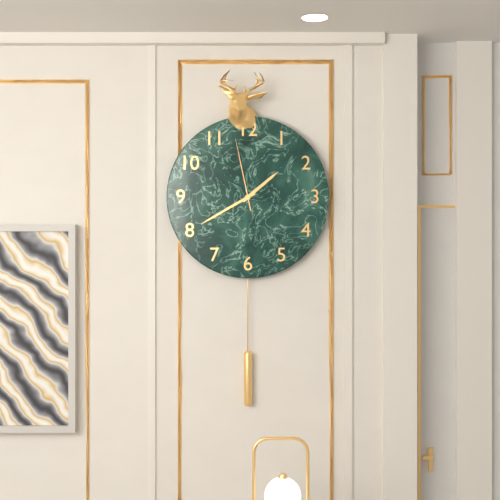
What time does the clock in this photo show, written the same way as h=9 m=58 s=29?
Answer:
h=1 m=40 s=58
